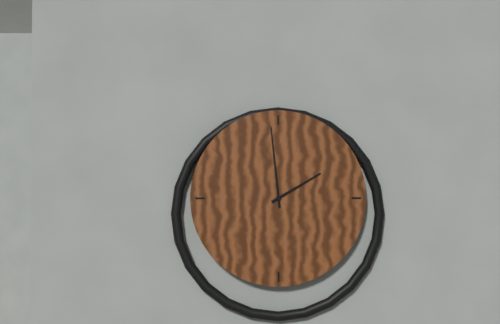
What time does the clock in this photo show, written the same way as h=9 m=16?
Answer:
h=1 m=59
